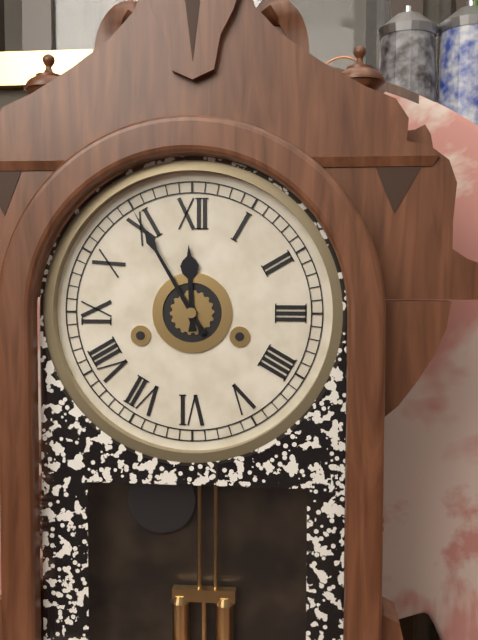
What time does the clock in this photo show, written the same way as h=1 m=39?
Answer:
h=11 m=55
